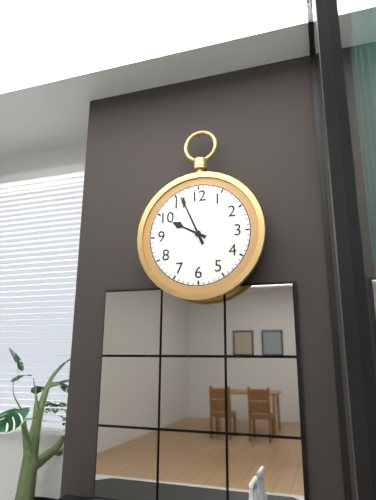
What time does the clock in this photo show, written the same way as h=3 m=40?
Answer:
h=9 m=56
